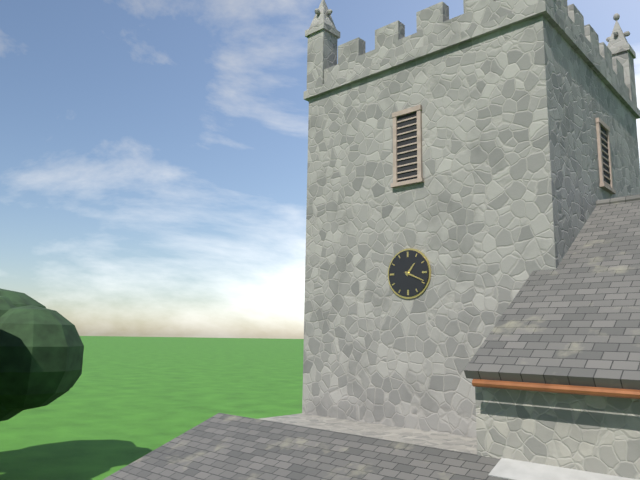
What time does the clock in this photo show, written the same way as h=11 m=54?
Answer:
h=1 m=19
